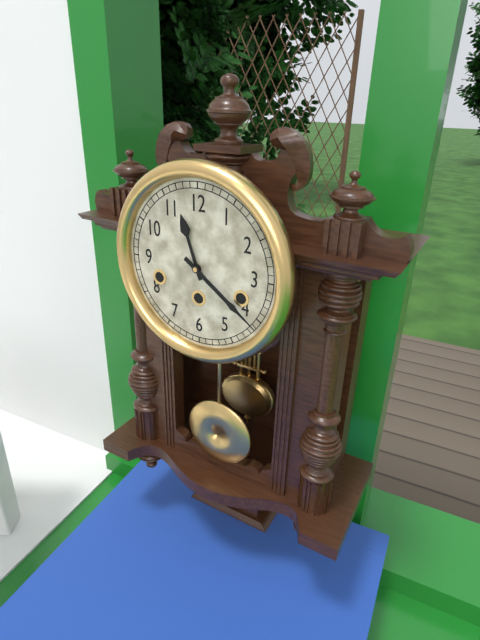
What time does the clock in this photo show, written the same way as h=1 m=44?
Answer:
h=11 m=21
